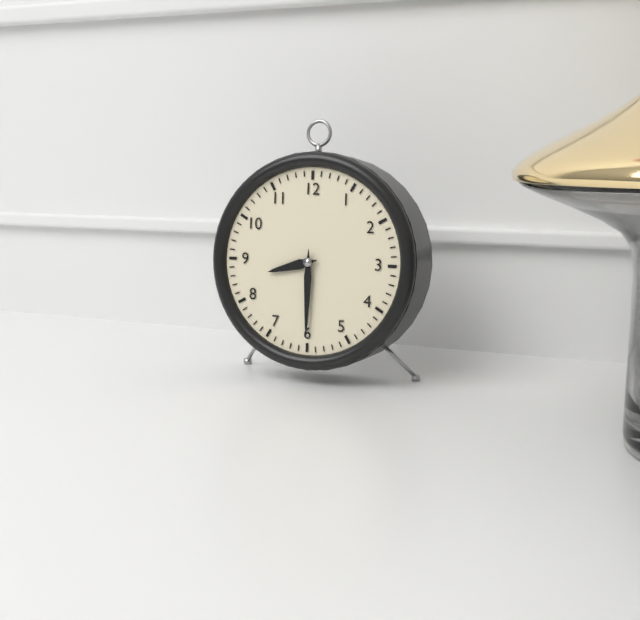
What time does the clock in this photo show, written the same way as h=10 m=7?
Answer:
h=8 m=30
